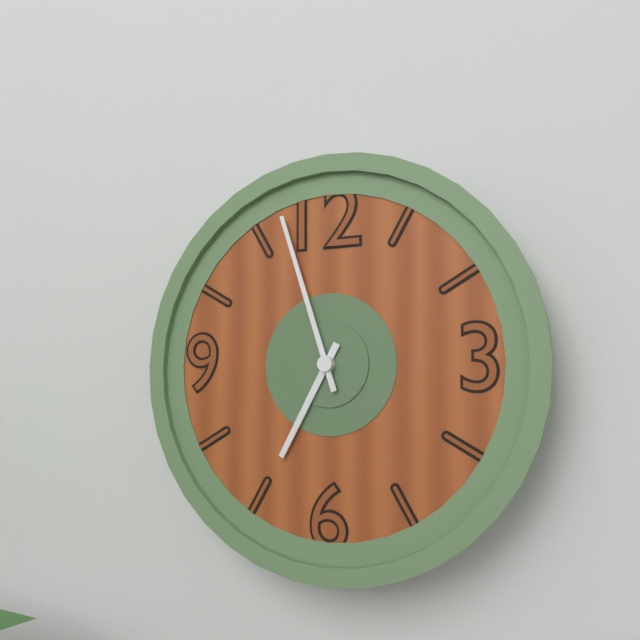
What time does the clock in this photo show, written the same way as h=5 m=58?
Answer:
h=6 m=57
